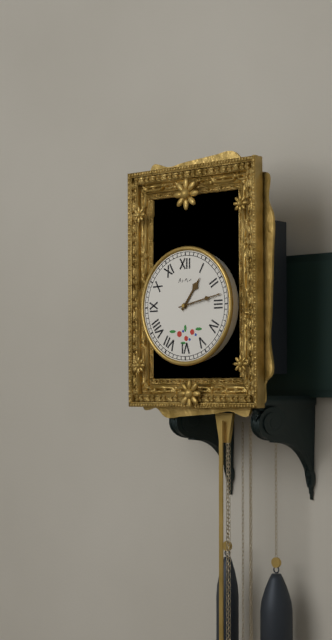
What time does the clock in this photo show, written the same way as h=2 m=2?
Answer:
h=1 m=13
